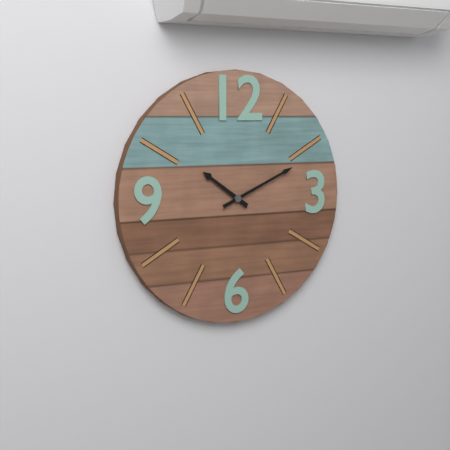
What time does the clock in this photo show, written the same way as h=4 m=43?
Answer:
h=10 m=11
